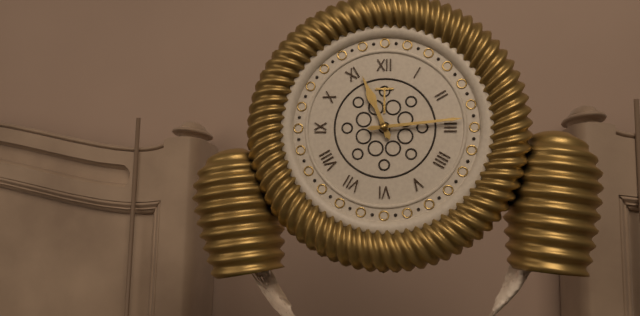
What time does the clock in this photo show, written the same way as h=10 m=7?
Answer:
h=11 m=14
